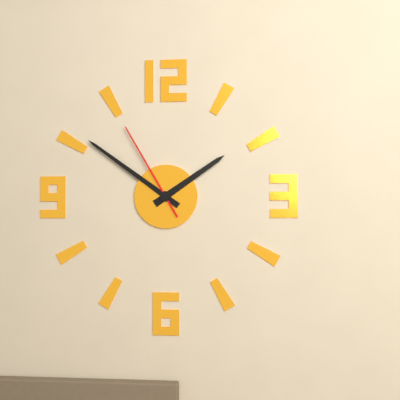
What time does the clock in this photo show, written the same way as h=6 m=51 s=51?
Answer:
h=1 m=51 s=55
